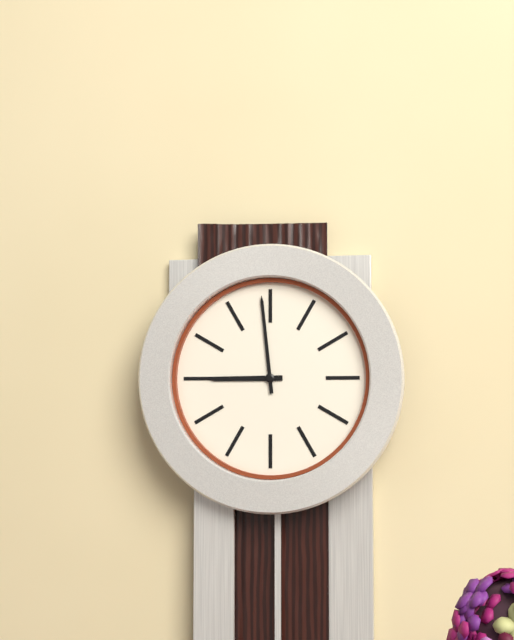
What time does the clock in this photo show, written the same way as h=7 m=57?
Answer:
h=8 m=59
